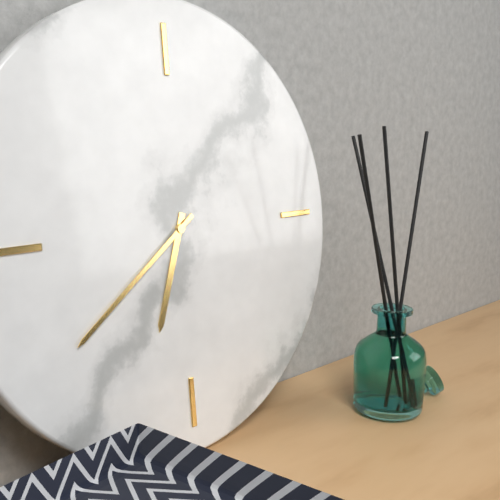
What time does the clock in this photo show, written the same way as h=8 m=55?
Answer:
h=6 m=39
